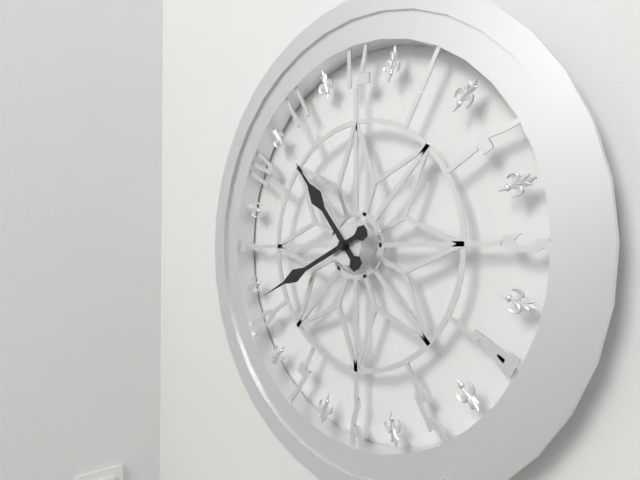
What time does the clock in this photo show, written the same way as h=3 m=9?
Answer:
h=10 m=41
